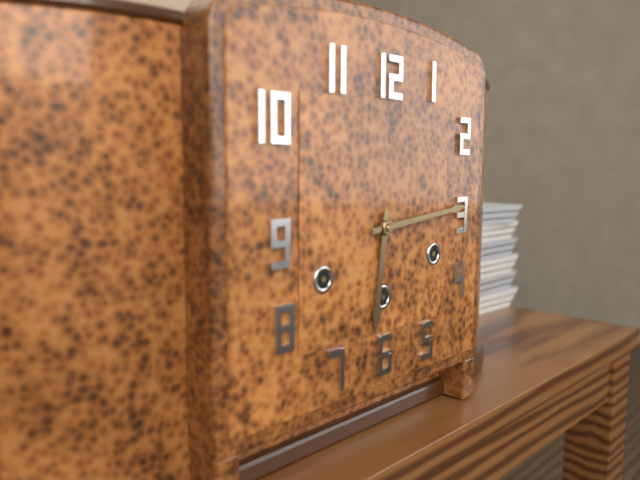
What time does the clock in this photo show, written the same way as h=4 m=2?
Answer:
h=6 m=14
